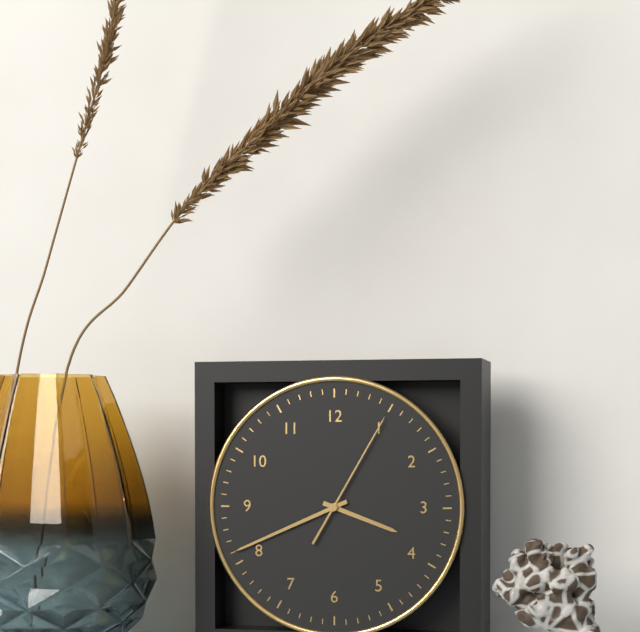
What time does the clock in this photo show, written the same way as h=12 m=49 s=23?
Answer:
h=3 m=41 s=5
